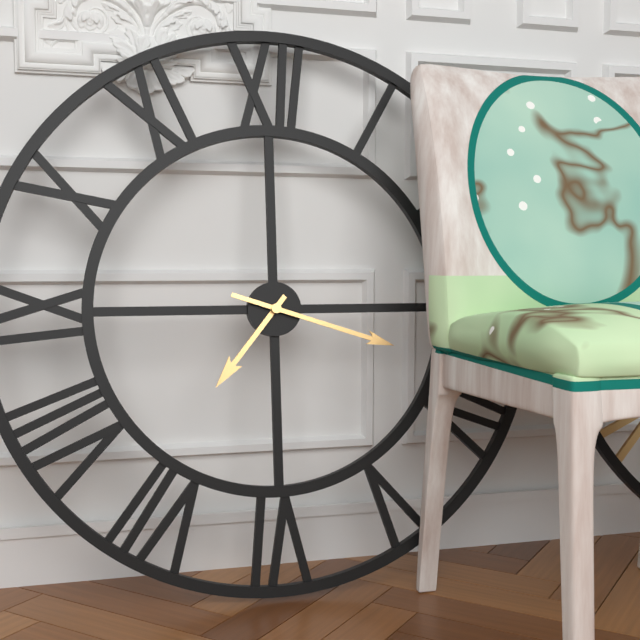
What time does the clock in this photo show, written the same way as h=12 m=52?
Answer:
h=7 m=18
